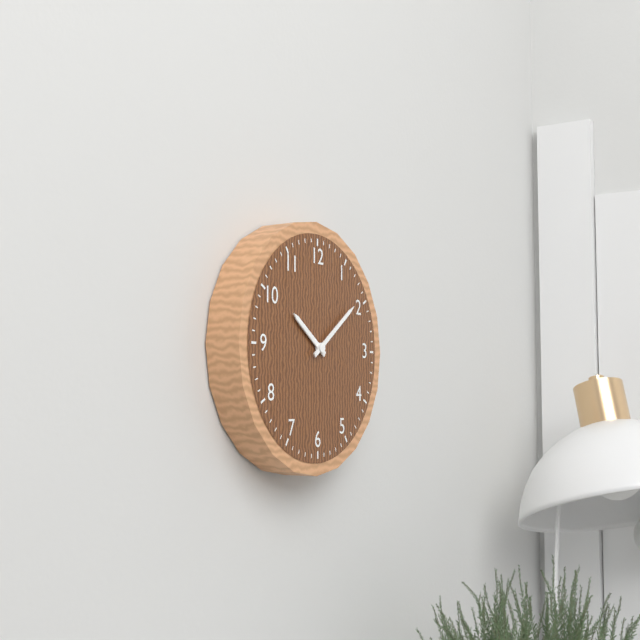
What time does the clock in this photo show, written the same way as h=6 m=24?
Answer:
h=10 m=9
